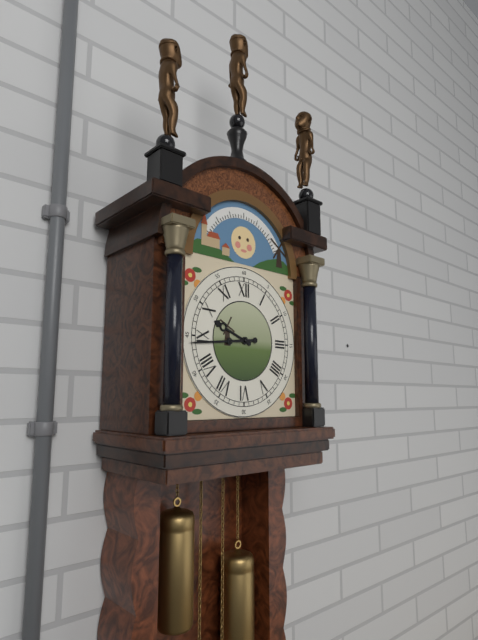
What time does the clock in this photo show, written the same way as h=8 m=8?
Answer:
h=9 m=44
